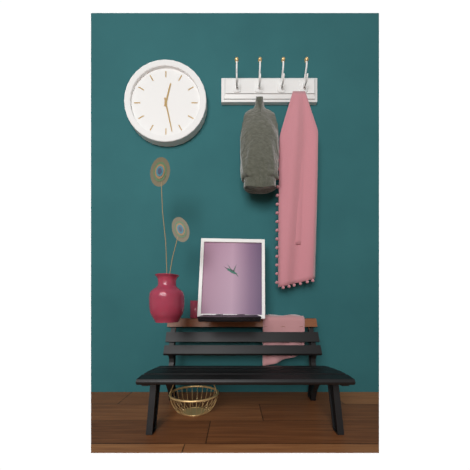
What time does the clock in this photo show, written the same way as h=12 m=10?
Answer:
h=12 m=28
